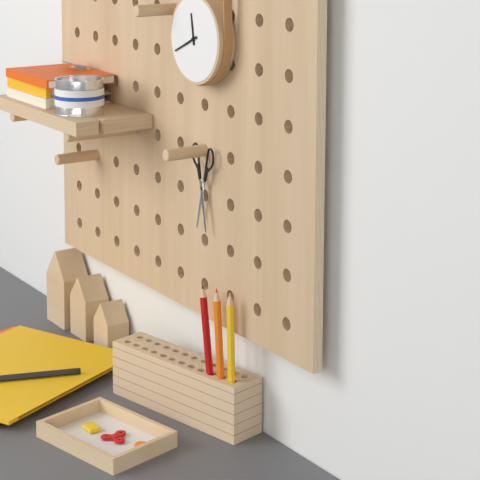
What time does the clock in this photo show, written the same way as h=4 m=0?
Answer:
h=11 m=41
